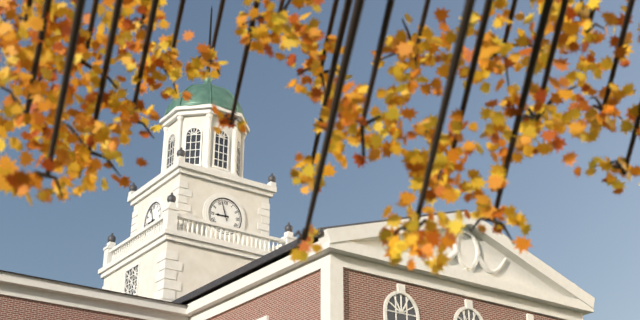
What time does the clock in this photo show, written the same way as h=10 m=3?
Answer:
h=8 m=57
